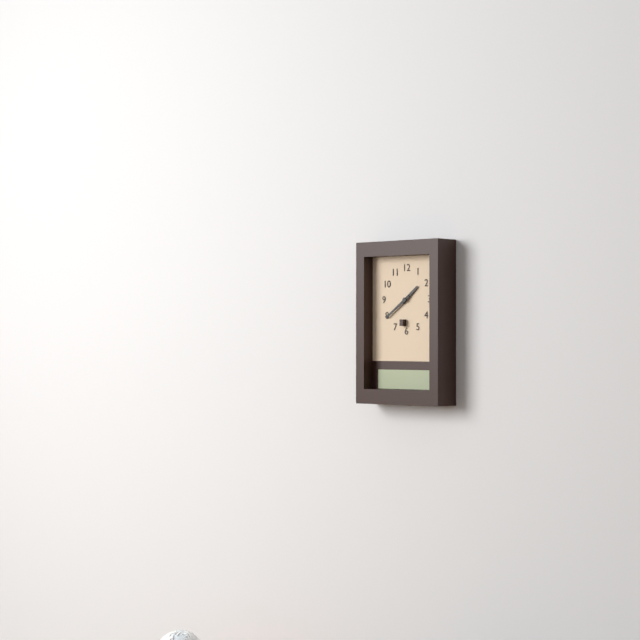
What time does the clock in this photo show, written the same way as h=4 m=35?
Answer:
h=1 m=39
